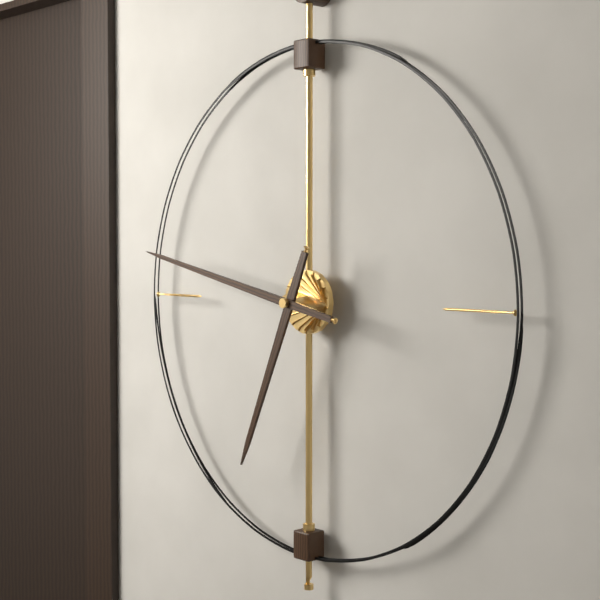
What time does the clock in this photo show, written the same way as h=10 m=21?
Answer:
h=6 m=47
